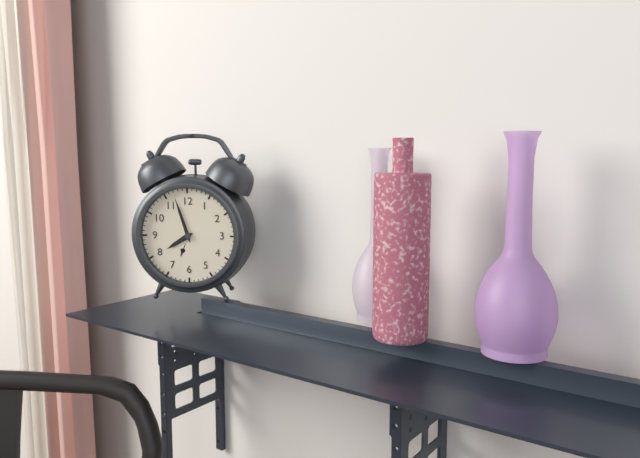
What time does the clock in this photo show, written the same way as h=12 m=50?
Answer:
h=7 m=57
